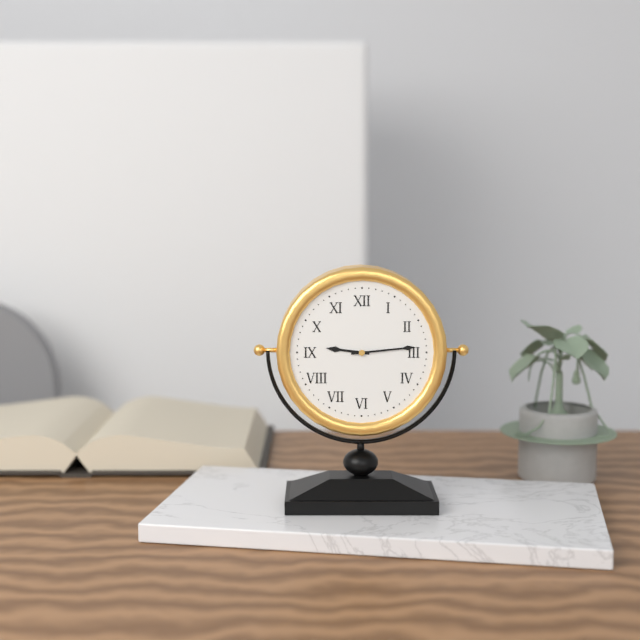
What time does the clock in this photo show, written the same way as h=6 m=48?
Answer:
h=9 m=14
